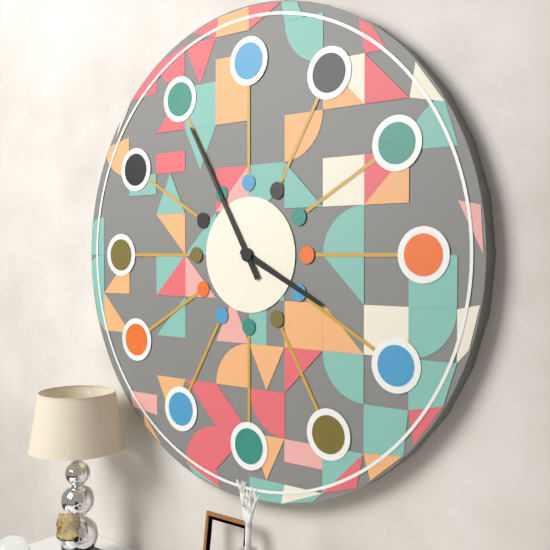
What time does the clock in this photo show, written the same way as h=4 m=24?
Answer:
h=3 m=55
